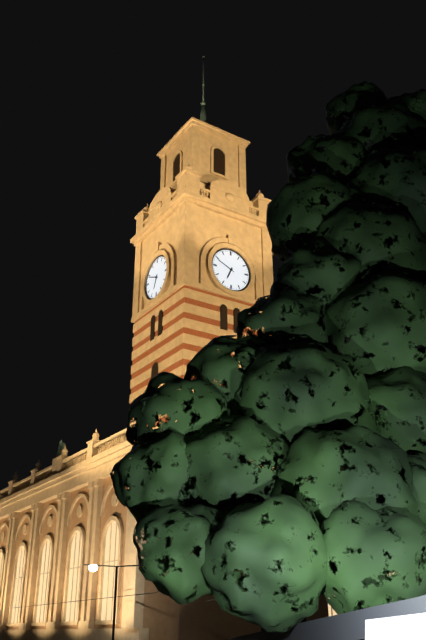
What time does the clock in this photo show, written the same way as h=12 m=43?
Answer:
h=6 m=49
